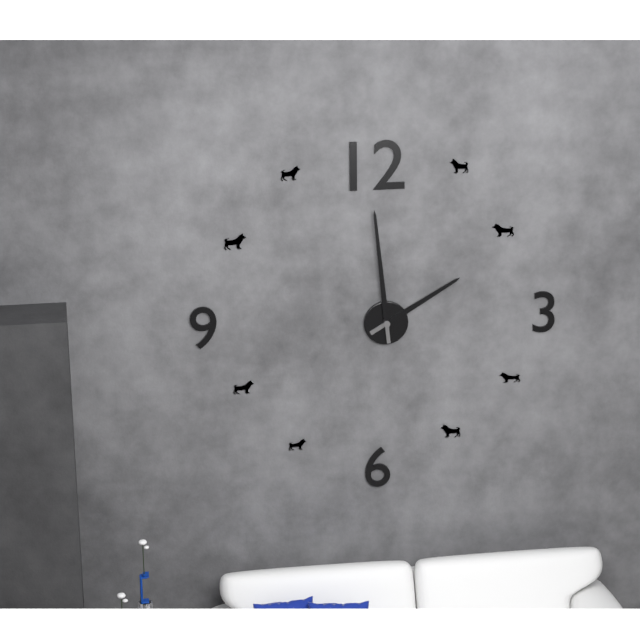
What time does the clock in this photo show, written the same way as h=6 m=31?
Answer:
h=1 m=59
